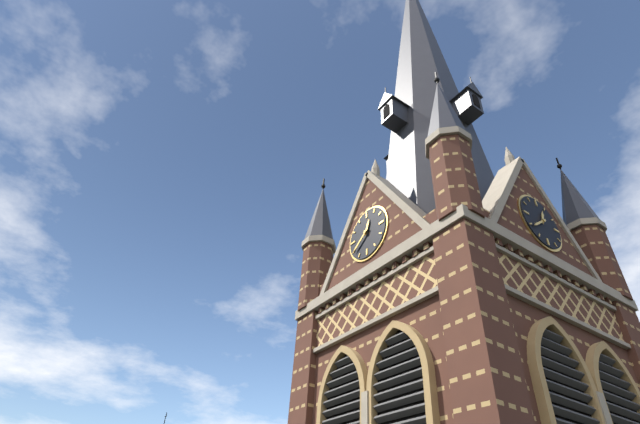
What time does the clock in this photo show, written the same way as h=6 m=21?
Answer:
h=12 m=39
